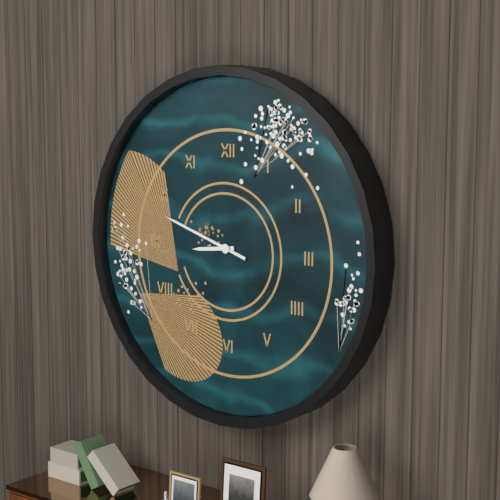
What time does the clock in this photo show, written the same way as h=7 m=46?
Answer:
h=8 m=48
